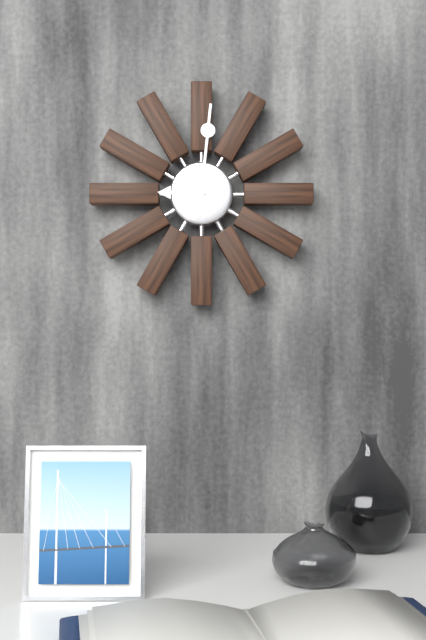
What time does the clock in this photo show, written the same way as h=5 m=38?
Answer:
h=9 m=1
